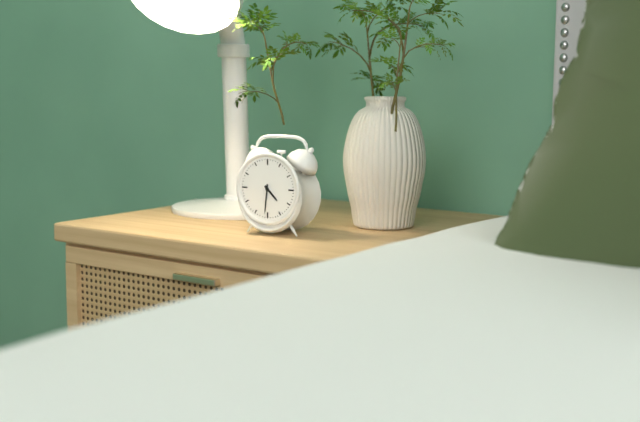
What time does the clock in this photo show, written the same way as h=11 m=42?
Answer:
h=4 m=31
